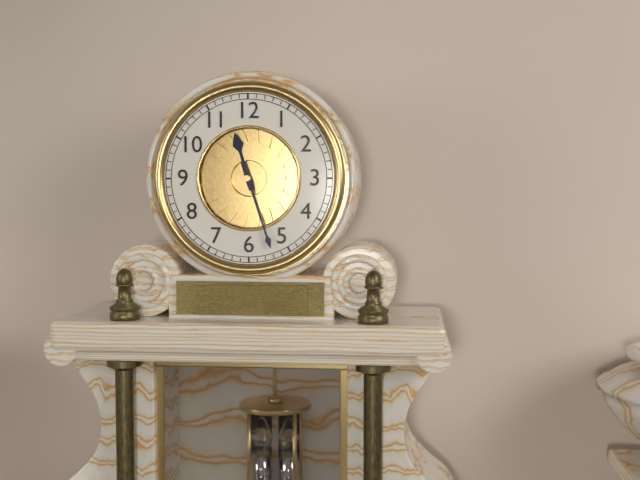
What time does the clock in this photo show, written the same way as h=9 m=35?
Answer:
h=11 m=27
